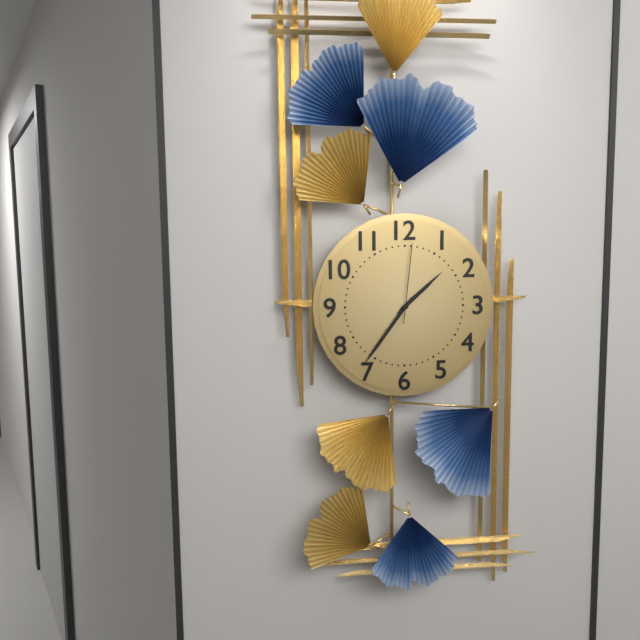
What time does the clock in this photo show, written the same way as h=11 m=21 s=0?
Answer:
h=1 m=36 s=1
